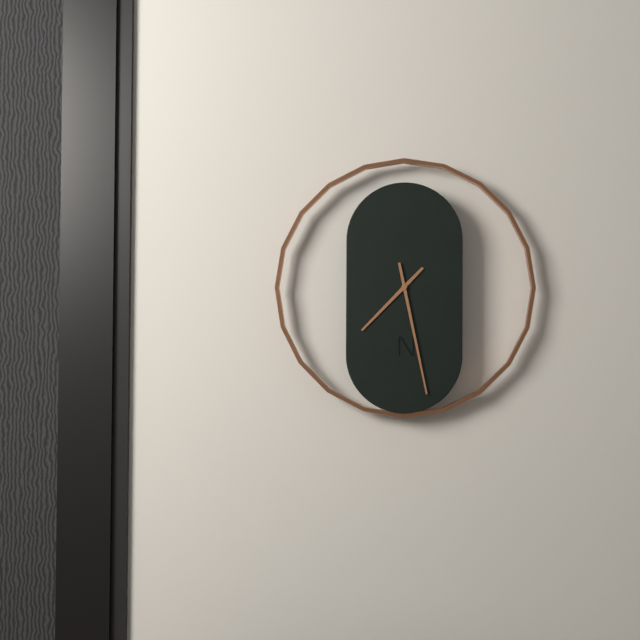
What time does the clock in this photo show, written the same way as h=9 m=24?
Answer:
h=7 m=28
